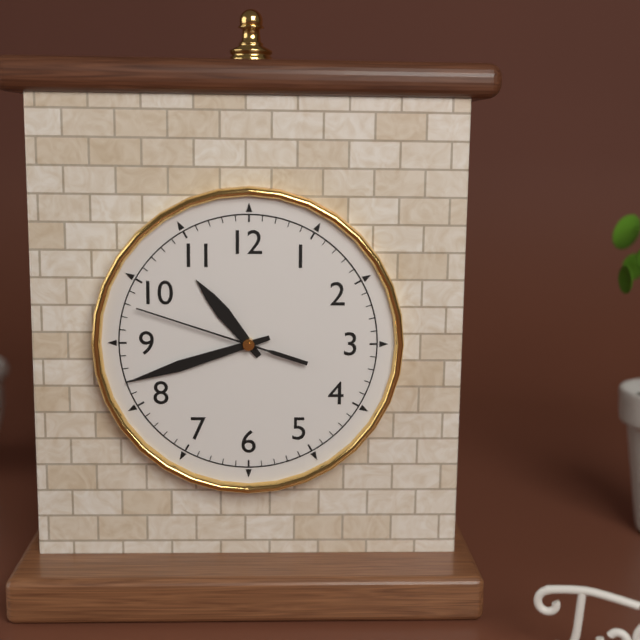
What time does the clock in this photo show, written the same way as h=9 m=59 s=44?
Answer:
h=10 m=42 s=48
